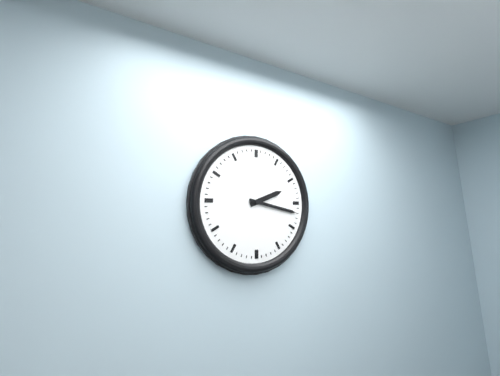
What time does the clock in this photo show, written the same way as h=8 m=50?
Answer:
h=2 m=17
